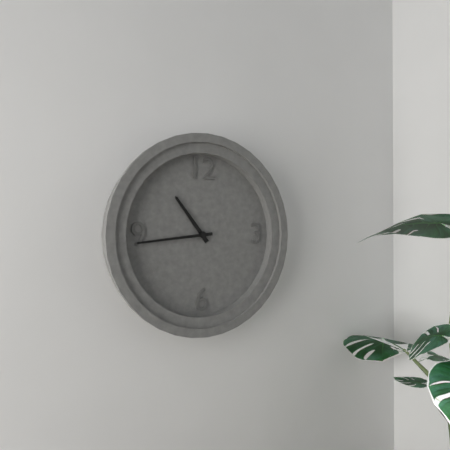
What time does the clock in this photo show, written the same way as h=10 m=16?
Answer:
h=10 m=44
